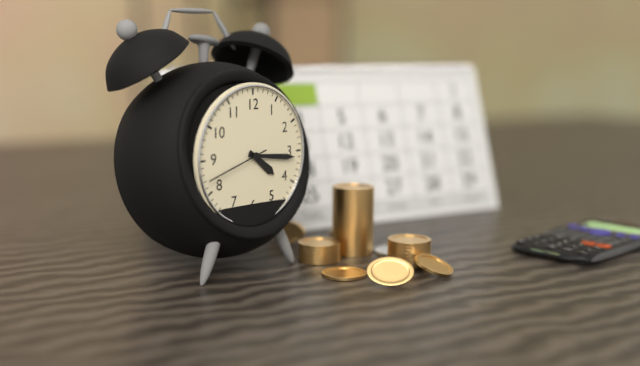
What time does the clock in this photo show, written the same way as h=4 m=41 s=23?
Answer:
h=4 m=16 s=42
